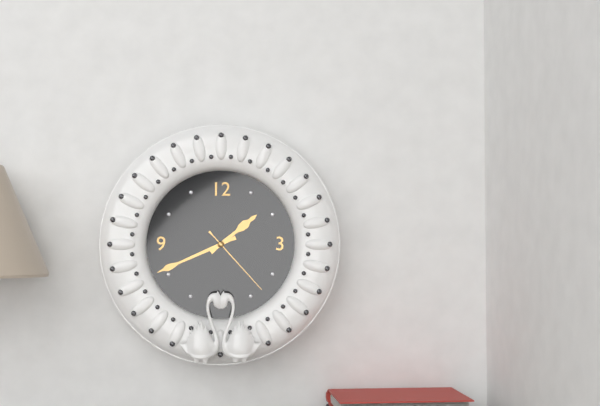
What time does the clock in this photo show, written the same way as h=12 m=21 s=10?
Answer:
h=1 m=41 s=23
